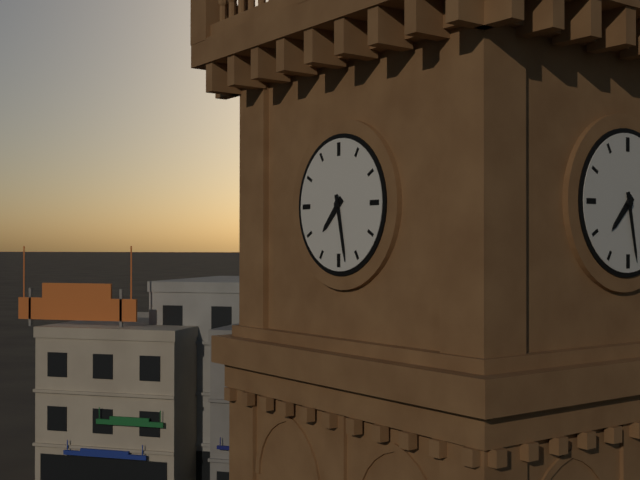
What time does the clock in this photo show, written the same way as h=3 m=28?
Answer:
h=7 m=28
